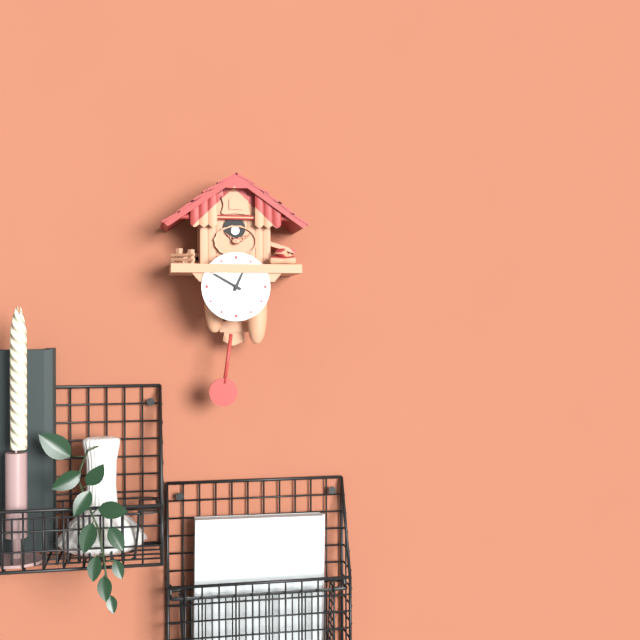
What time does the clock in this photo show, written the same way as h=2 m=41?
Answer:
h=12 m=50
